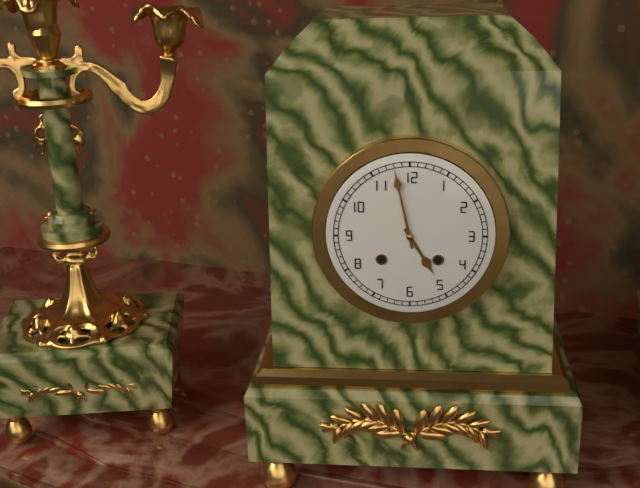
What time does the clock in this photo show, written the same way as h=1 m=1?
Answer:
h=4 m=58
